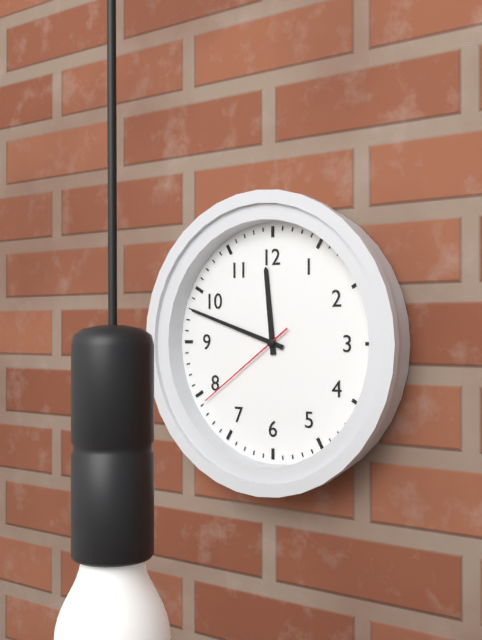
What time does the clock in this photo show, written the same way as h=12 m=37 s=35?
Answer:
h=11 m=48 s=39
